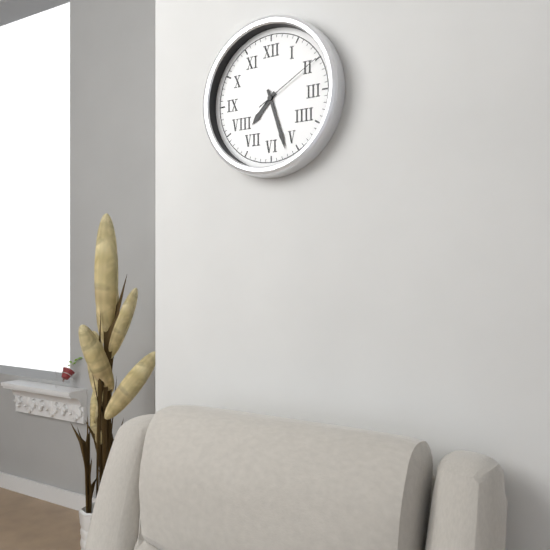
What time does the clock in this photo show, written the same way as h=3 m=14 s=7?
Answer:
h=7 m=27 s=10
